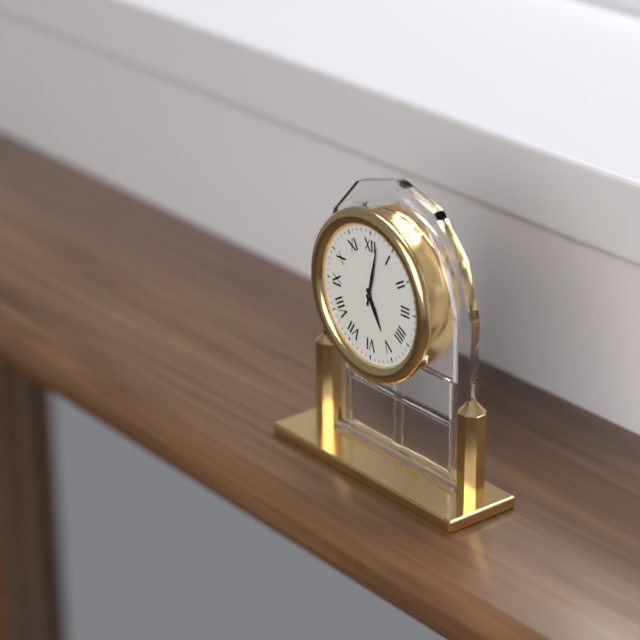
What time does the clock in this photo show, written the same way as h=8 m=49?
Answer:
h=5 m=2
